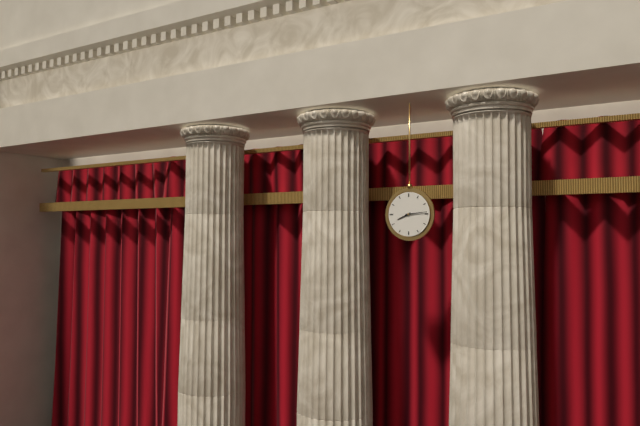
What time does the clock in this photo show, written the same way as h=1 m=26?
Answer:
h=8 m=14
